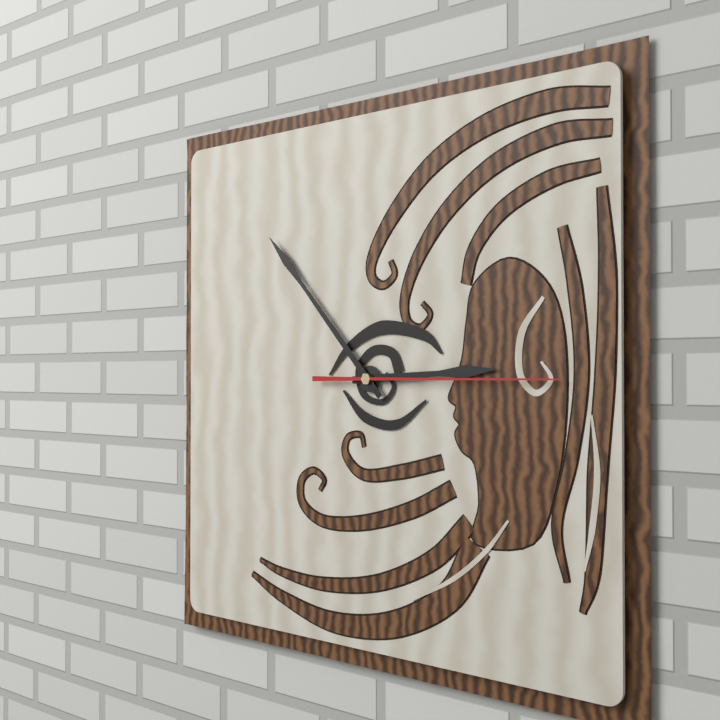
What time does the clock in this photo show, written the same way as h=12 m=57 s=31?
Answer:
h=2 m=53 s=15
